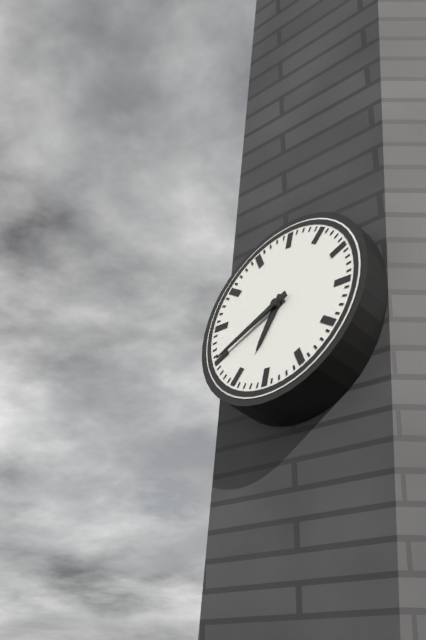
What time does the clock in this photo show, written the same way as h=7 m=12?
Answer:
h=6 m=40
